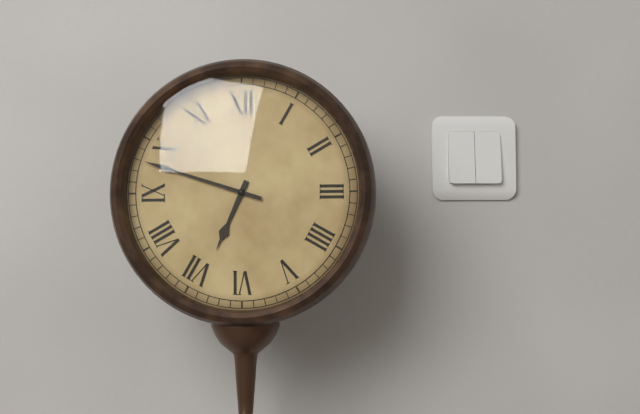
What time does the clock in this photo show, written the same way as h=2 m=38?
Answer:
h=6 m=48
